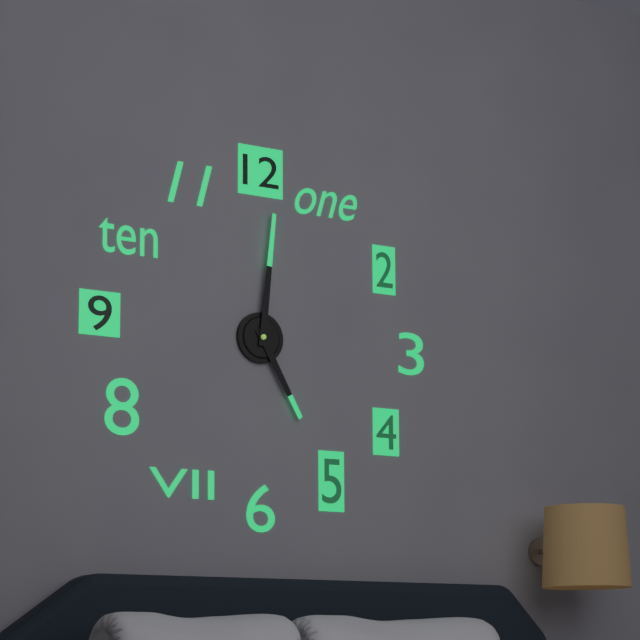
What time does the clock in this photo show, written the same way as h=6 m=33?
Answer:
h=5 m=1
